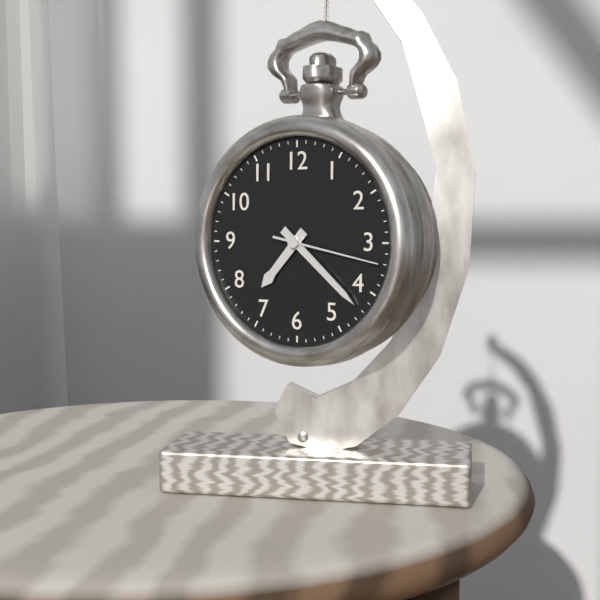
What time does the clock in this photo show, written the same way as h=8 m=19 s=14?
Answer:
h=7 m=22 s=17
